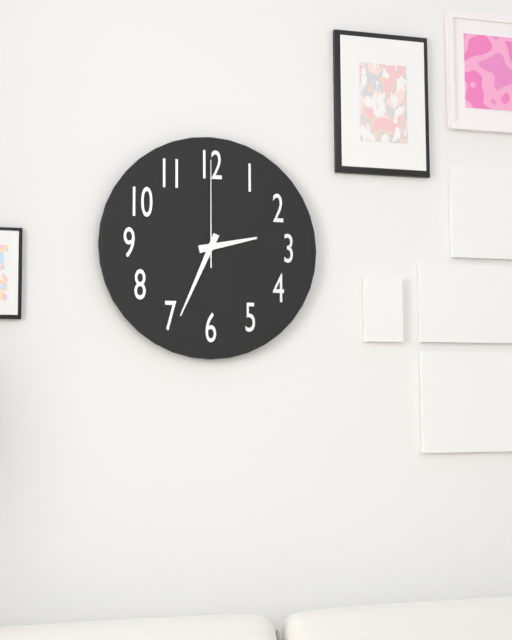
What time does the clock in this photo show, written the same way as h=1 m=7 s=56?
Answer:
h=2 m=34 s=0
